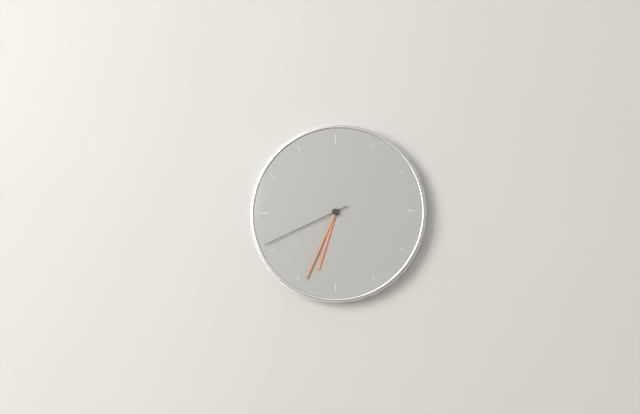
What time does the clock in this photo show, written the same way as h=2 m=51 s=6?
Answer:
h=6 m=34 s=41
